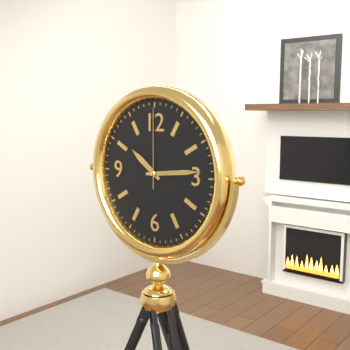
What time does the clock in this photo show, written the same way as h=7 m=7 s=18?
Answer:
h=10 m=14 s=0
